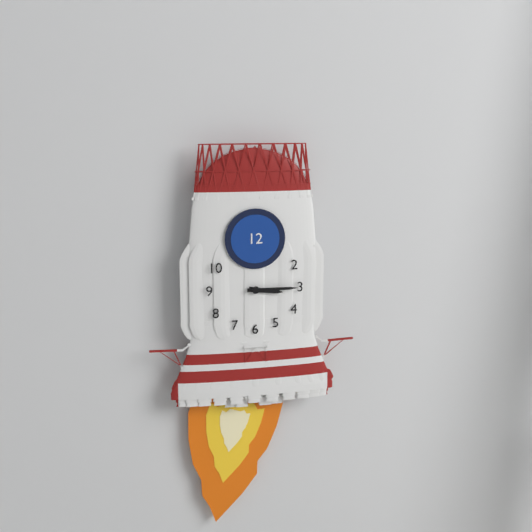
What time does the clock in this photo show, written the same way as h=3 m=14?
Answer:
h=3 m=15
